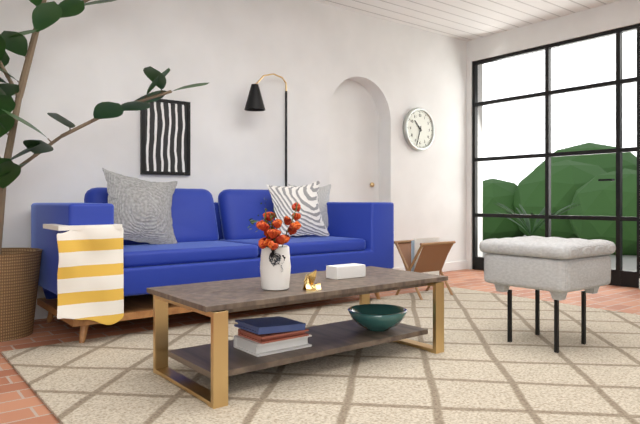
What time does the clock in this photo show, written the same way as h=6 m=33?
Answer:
h=10 m=33
